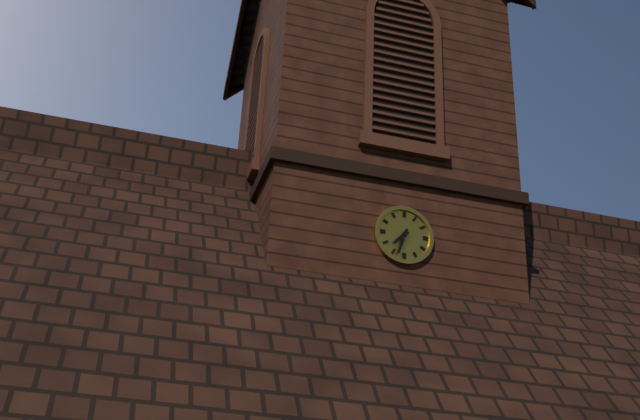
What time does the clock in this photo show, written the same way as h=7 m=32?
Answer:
h=7 m=33
